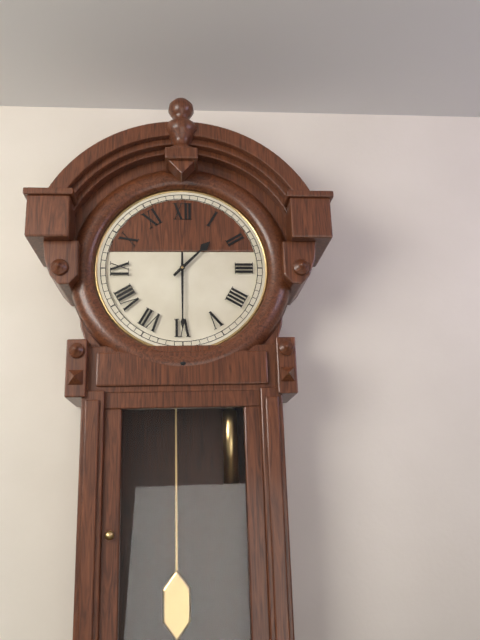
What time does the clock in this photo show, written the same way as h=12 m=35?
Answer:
h=1 m=30
